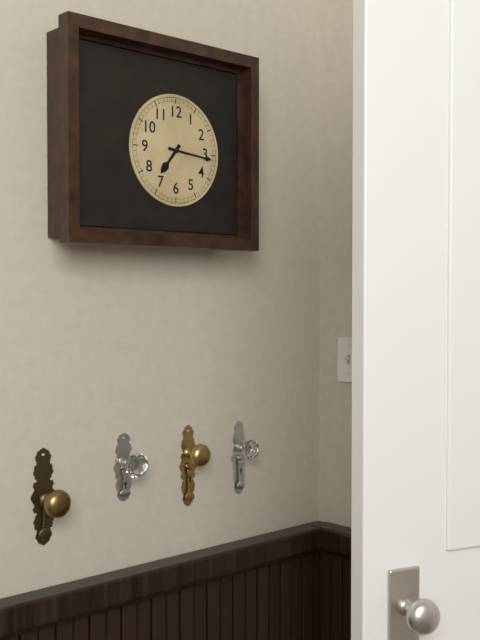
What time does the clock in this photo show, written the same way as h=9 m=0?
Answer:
h=7 m=16
